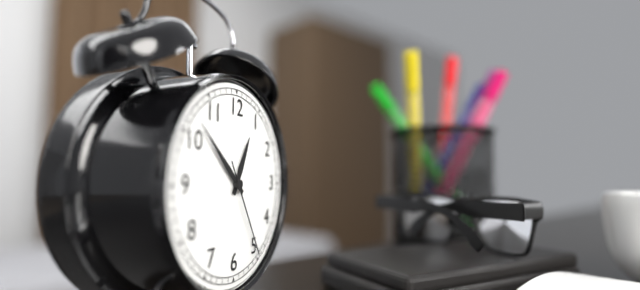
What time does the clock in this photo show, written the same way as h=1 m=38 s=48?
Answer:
h=12 m=52 s=25
